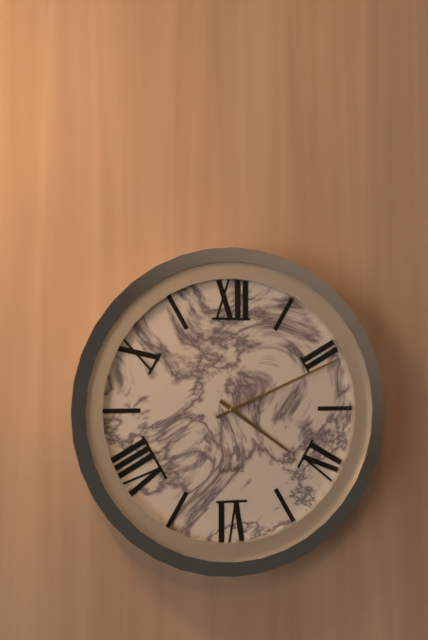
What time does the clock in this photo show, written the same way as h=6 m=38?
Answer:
h=4 m=11
